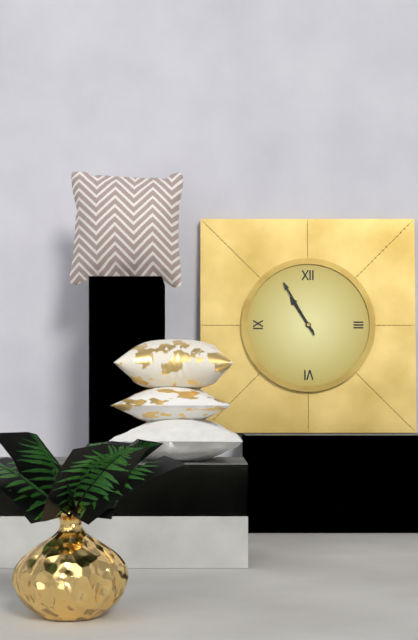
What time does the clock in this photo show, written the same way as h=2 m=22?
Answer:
h=10 m=55
